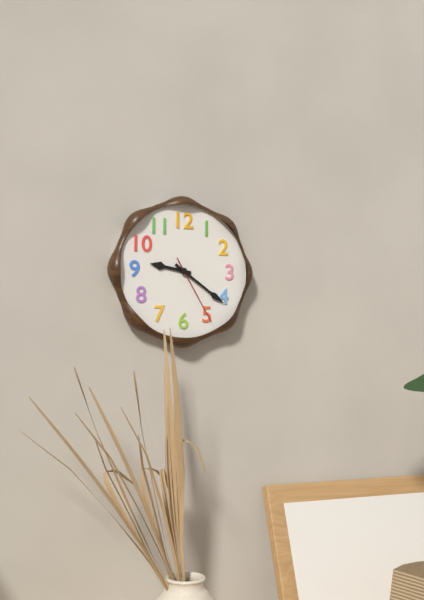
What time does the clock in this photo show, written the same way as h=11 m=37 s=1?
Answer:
h=9 m=21 s=25
